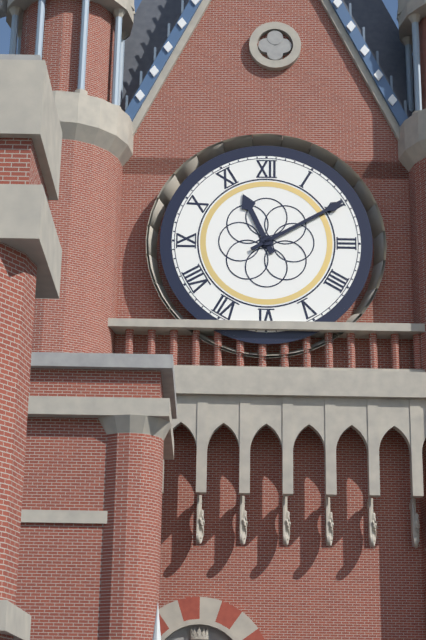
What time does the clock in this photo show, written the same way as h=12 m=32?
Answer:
h=11 m=10
